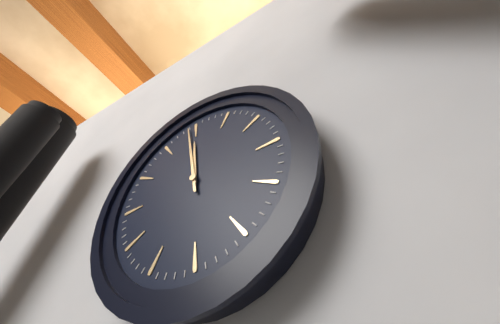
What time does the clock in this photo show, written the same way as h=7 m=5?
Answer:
h=11 m=59
